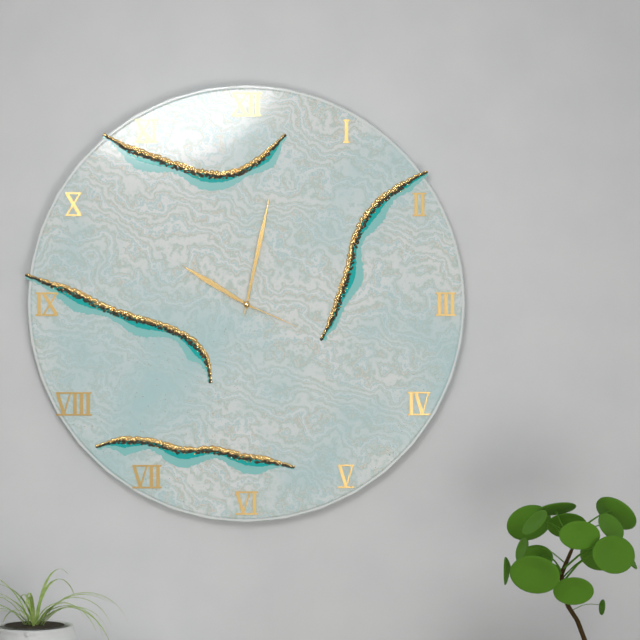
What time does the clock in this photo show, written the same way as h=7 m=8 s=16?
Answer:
h=10 m=2 s=19
